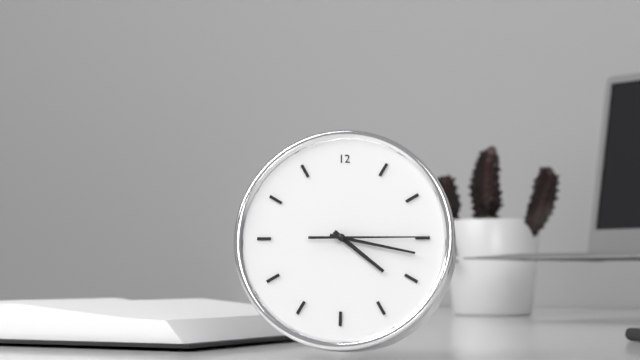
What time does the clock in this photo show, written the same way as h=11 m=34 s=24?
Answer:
h=4 m=17 s=15
